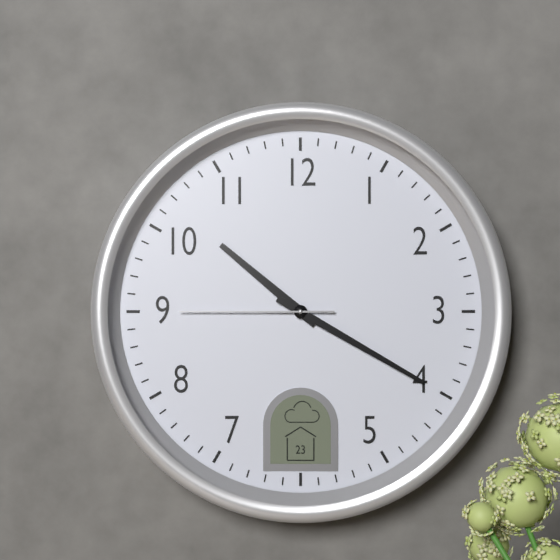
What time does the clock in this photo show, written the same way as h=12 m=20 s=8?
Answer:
h=10 m=20 s=45
